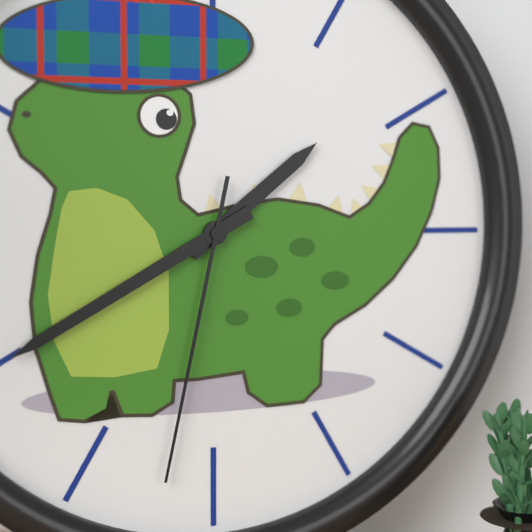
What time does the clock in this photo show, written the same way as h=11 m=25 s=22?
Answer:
h=1 m=40 s=32
